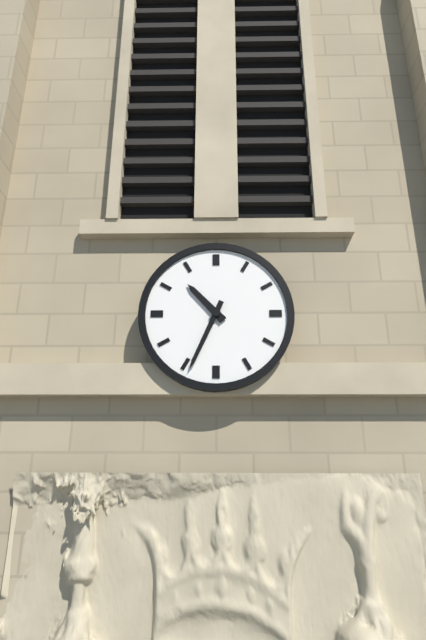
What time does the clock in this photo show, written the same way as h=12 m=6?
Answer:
h=10 m=34
